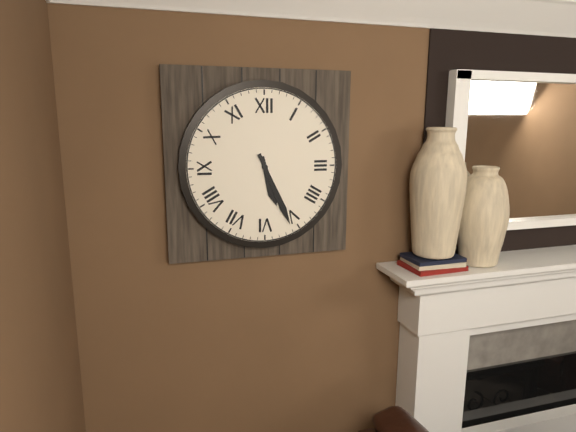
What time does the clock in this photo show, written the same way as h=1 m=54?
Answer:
h=5 m=26
